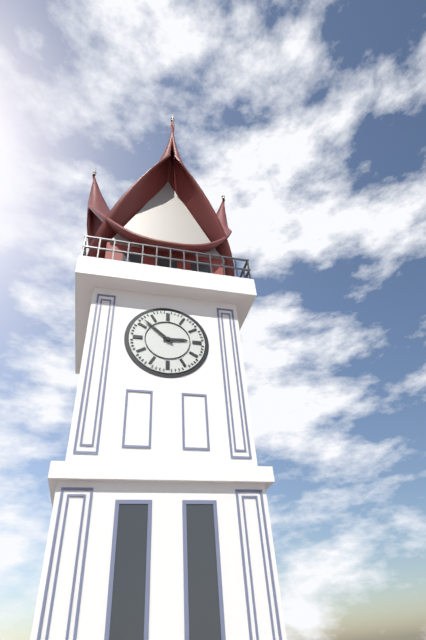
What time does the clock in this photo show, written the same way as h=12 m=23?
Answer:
h=2 m=52
